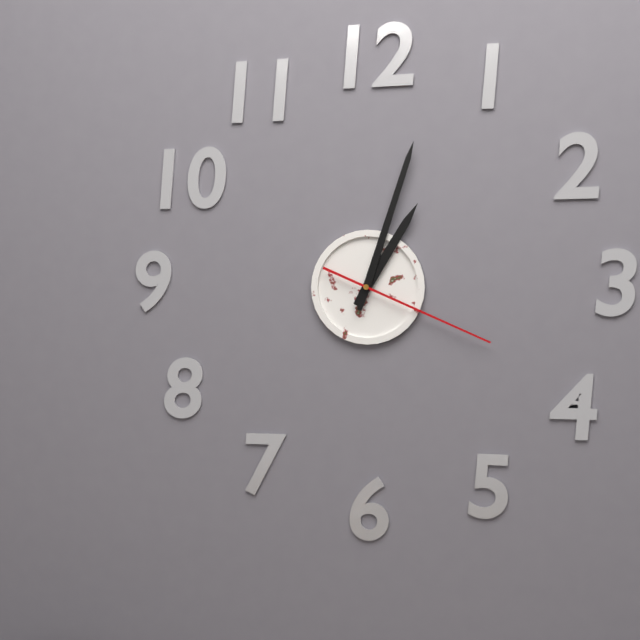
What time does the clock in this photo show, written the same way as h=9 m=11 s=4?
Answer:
h=1 m=3 s=19
